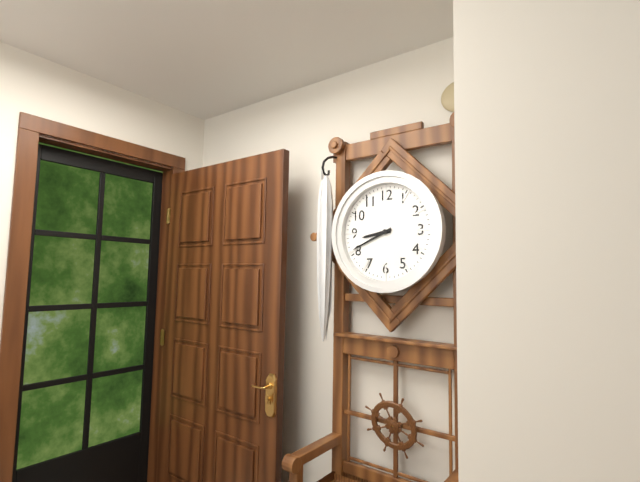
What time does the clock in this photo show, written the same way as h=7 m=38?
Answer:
h=8 m=41
